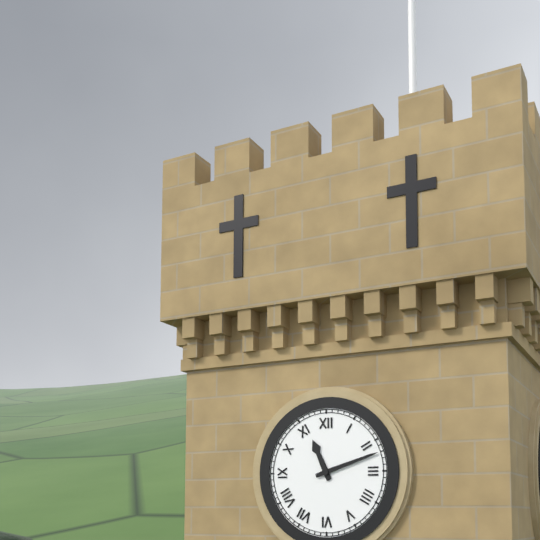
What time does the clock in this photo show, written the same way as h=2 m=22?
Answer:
h=11 m=12
